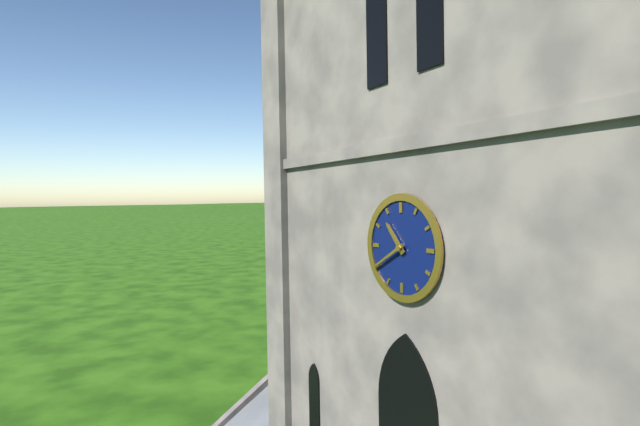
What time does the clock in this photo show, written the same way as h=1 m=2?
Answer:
h=10 m=40
